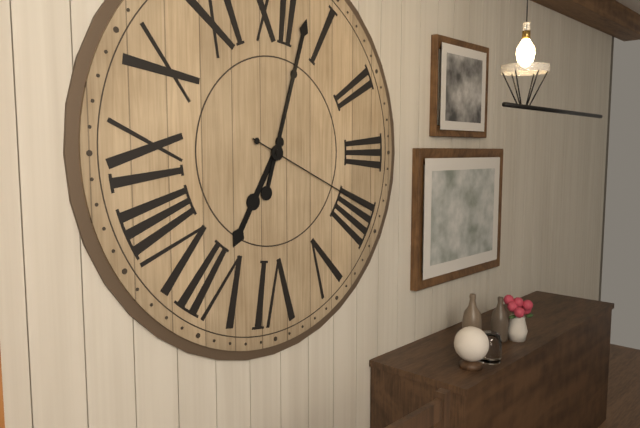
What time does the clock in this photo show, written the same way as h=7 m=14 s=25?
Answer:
h=7 m=3 s=19
